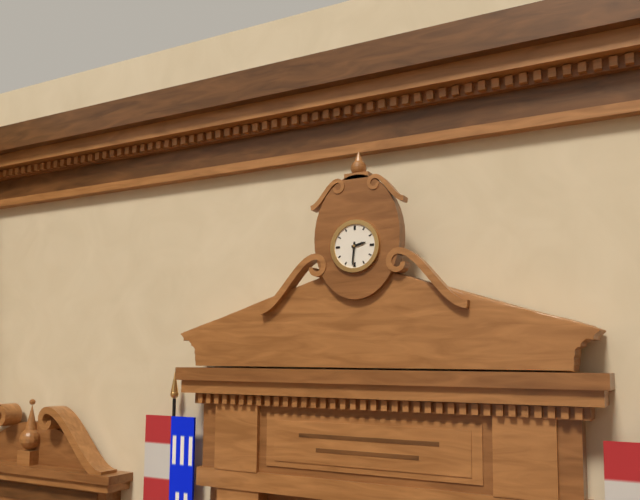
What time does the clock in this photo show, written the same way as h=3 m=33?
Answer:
h=2 m=31
